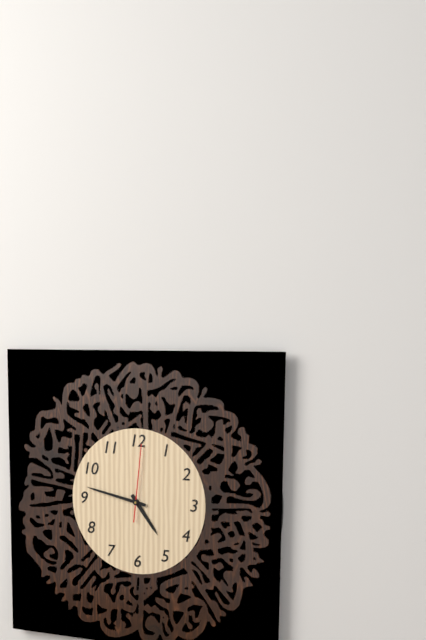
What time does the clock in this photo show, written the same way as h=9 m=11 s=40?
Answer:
h=4 m=47 s=1
